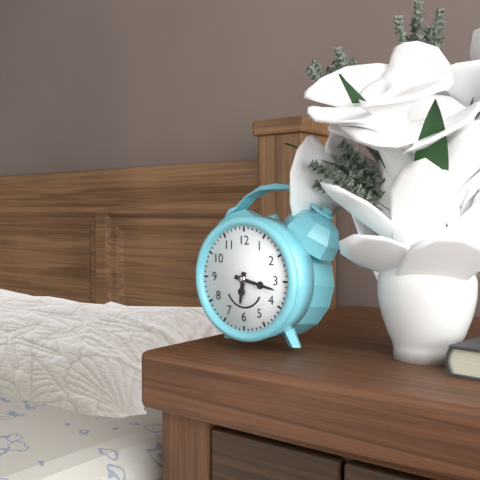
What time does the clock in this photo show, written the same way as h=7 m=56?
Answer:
h=6 m=17
